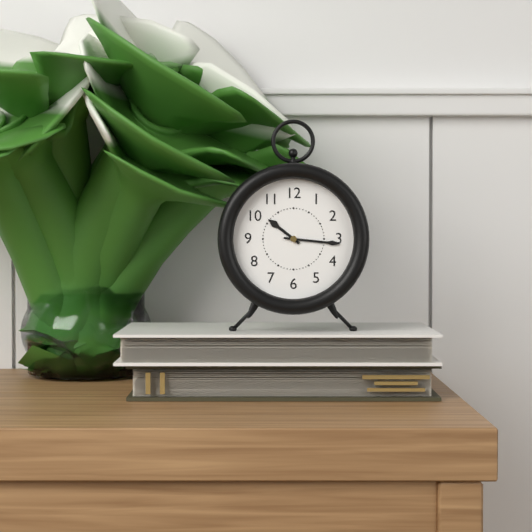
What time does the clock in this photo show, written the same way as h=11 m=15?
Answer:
h=10 m=16
